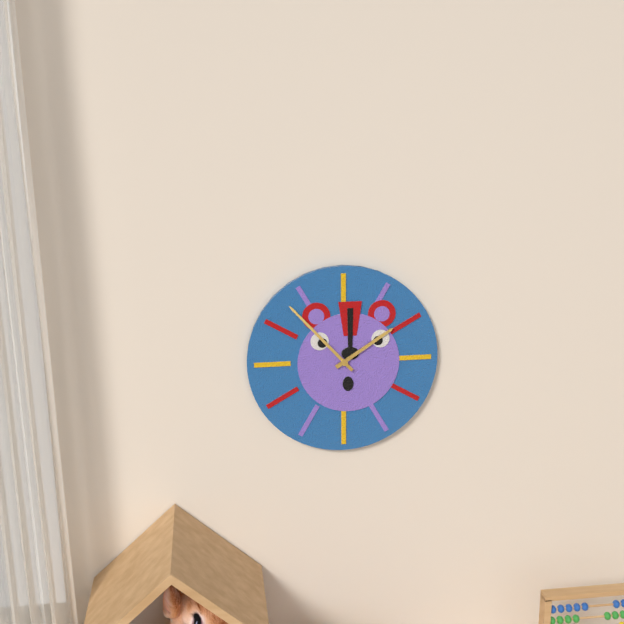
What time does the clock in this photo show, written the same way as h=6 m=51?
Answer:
h=1 m=53
